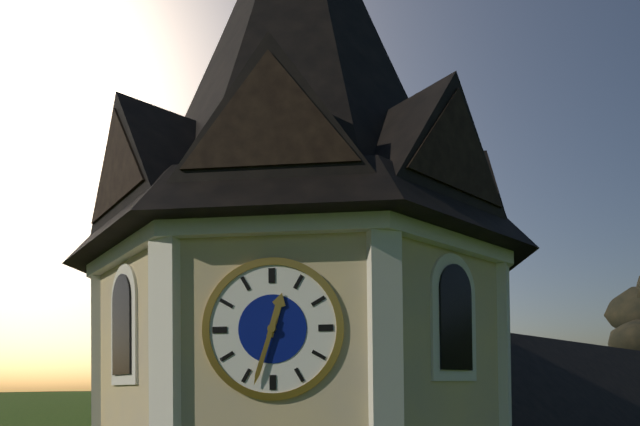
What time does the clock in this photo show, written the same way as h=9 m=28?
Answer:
h=12 m=33
